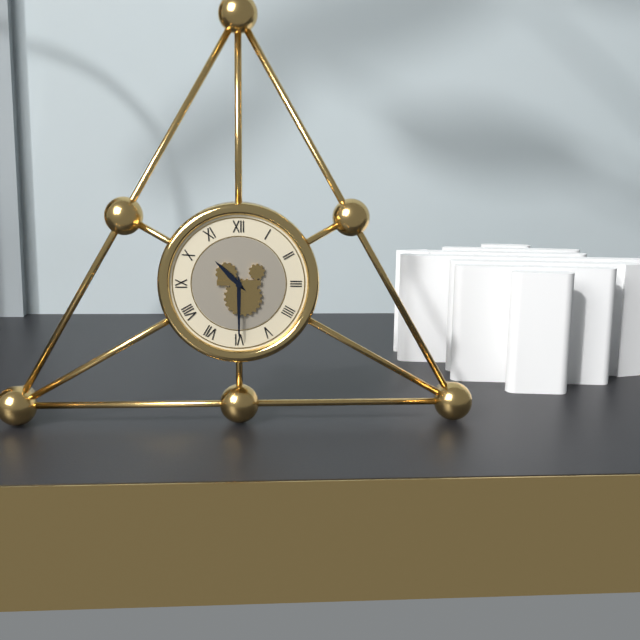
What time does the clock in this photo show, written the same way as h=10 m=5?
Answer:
h=10 m=30
